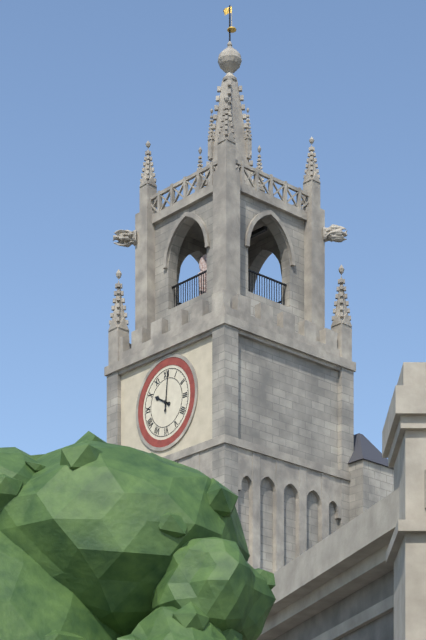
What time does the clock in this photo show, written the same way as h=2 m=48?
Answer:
h=10 m=1
